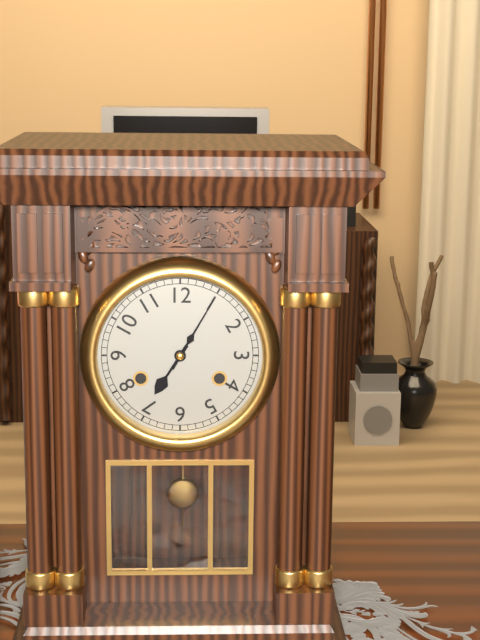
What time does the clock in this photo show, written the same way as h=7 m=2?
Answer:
h=7 m=5
